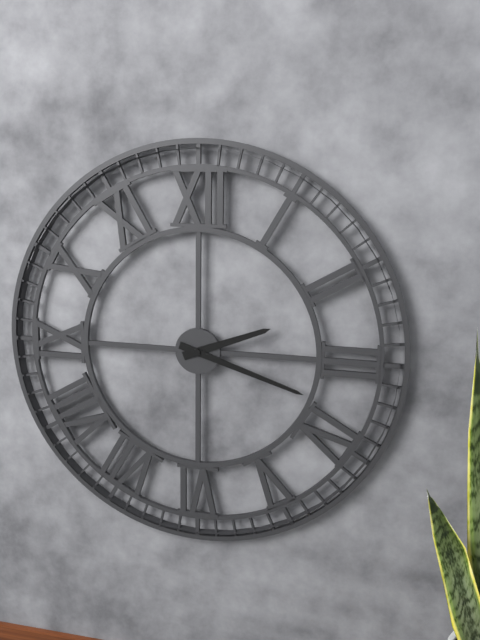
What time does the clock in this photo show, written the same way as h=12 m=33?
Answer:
h=2 m=18
